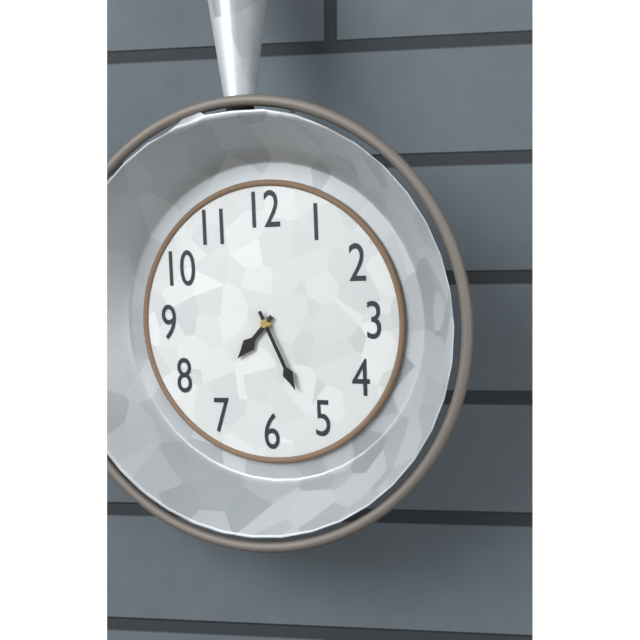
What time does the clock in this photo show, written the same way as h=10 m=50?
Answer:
h=7 m=26
